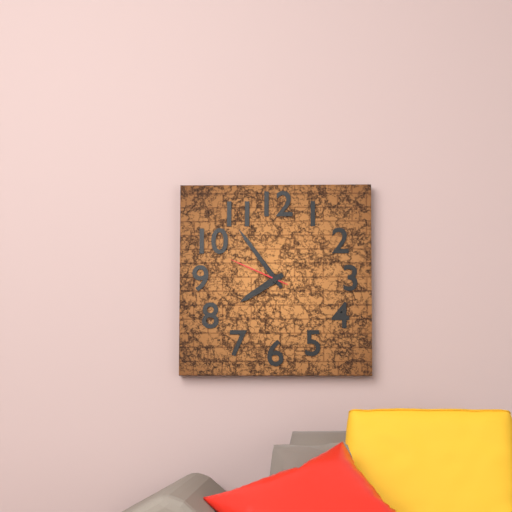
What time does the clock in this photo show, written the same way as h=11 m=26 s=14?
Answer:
h=7 m=54 s=49
